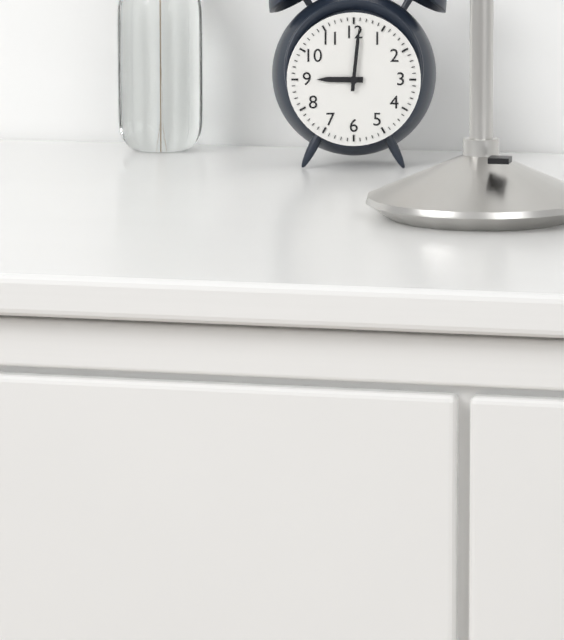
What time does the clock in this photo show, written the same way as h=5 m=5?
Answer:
h=9 m=1
